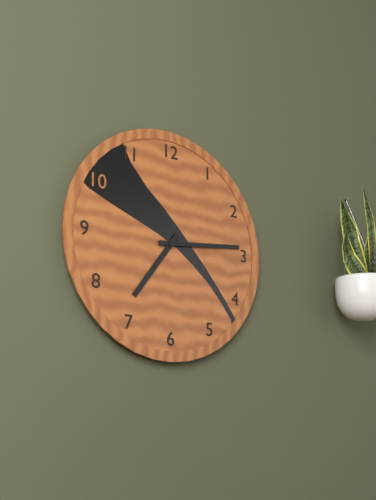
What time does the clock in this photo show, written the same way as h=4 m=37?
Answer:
h=7 m=14
